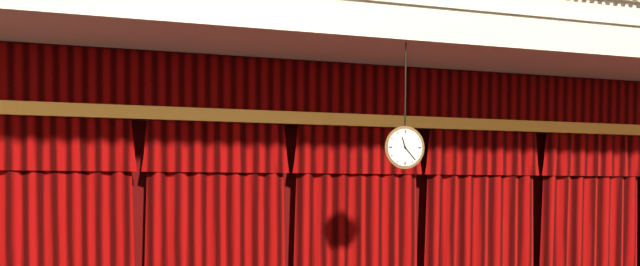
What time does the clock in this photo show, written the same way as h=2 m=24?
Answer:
h=11 m=23
